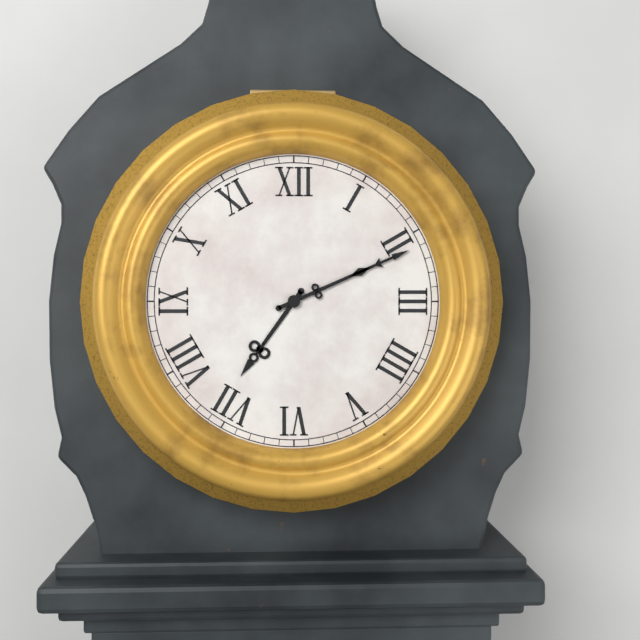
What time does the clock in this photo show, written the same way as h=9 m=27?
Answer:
h=7 m=11
